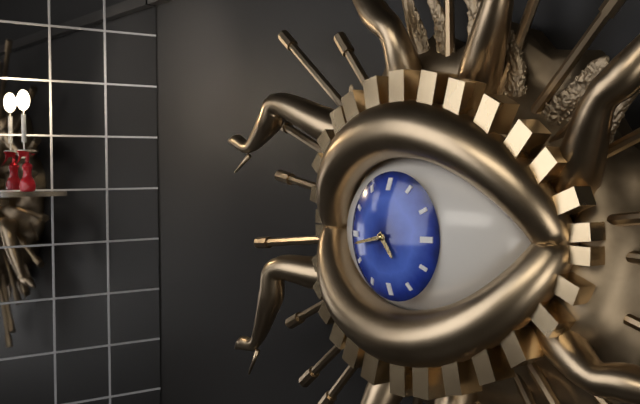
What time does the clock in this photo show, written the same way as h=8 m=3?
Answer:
h=4 m=43
